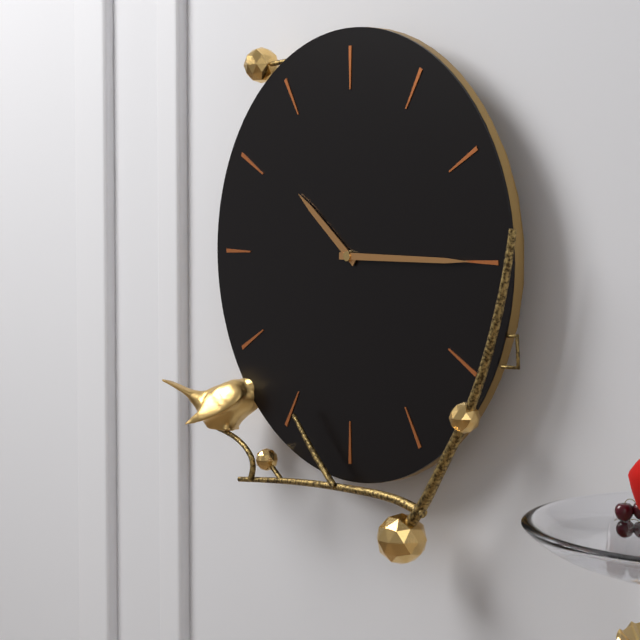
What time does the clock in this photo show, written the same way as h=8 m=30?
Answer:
h=10 m=15
